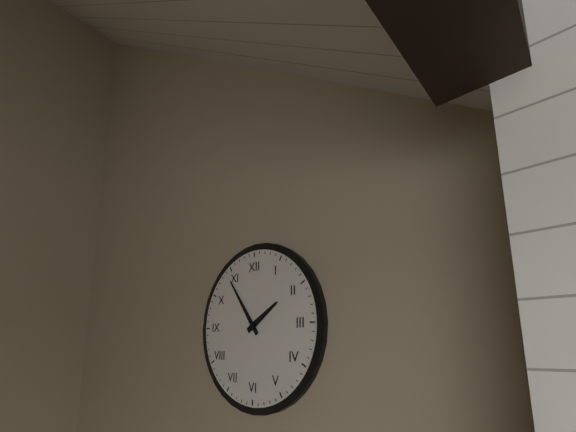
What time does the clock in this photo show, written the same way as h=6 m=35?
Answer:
h=1 m=54
